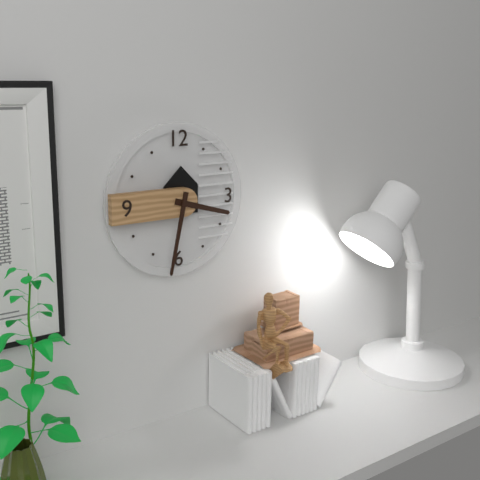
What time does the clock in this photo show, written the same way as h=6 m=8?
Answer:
h=3 m=32
